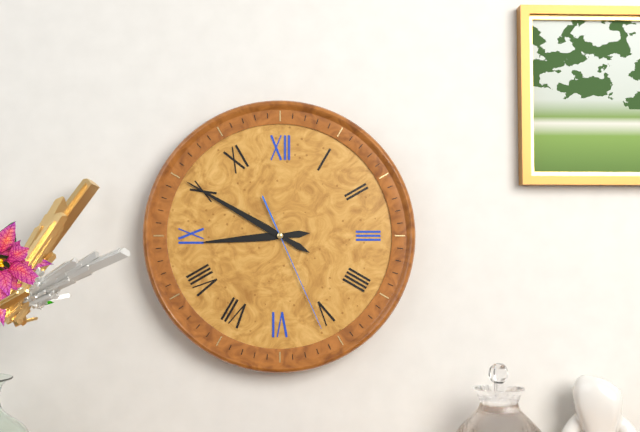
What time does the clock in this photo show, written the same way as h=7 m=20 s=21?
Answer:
h=8 m=50 s=26
